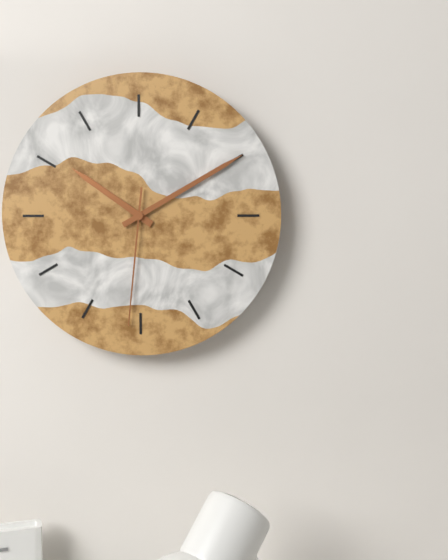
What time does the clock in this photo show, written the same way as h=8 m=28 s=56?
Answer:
h=10 m=10 s=31
